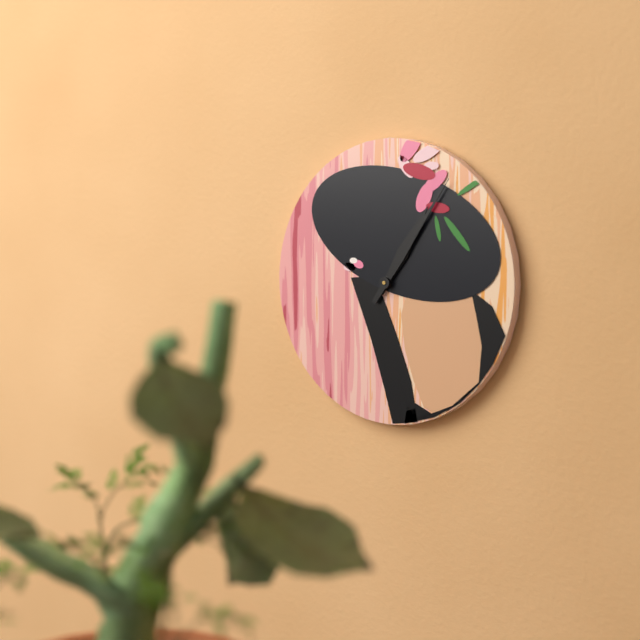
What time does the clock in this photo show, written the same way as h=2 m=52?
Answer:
h=1 m=6
